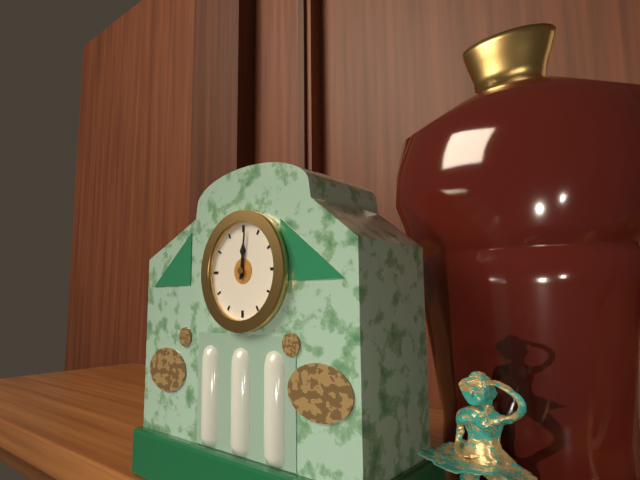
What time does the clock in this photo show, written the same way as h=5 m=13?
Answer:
h=12 m=1
